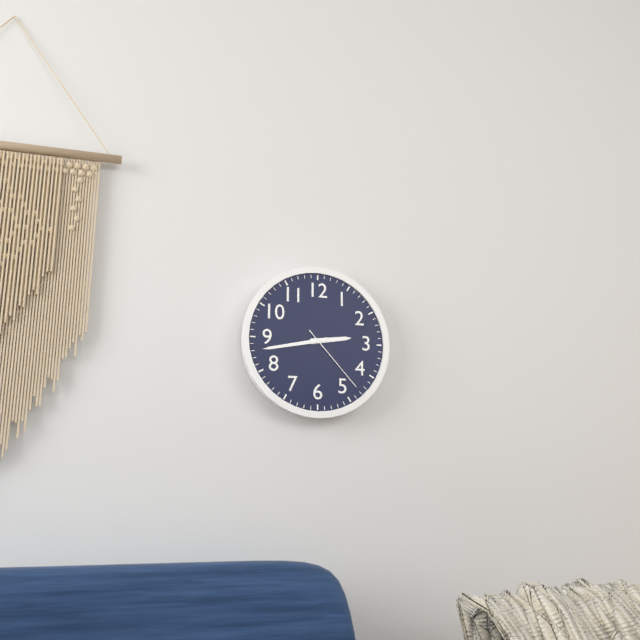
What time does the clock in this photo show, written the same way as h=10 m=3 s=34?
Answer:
h=2 m=43 s=23
